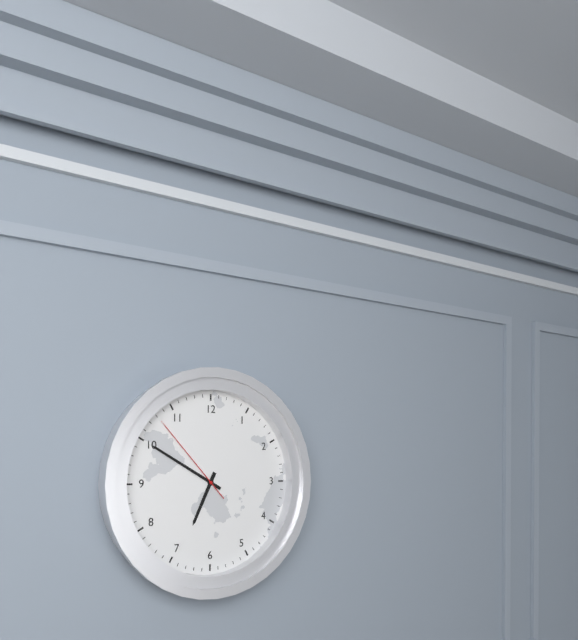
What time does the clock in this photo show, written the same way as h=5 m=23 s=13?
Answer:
h=6 m=50 s=53
